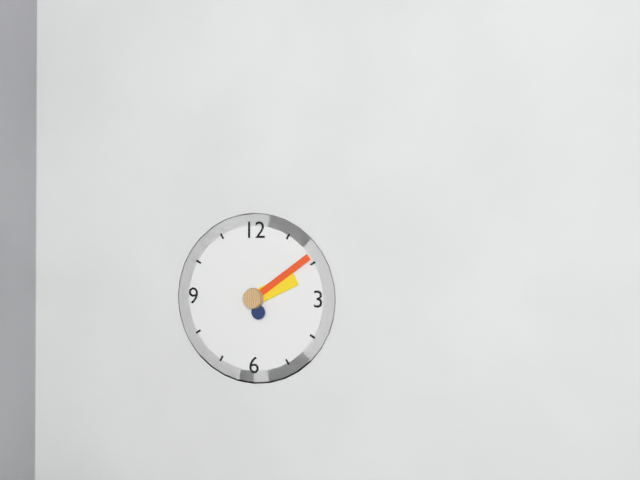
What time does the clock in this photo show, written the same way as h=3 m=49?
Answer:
h=2 m=9
